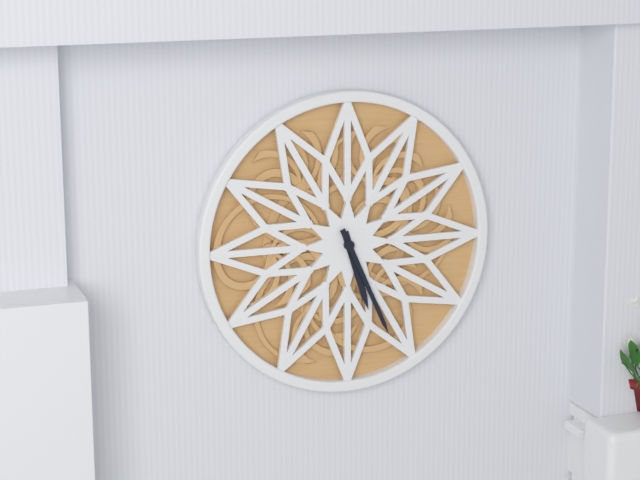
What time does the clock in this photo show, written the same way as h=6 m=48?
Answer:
h=5 m=26
